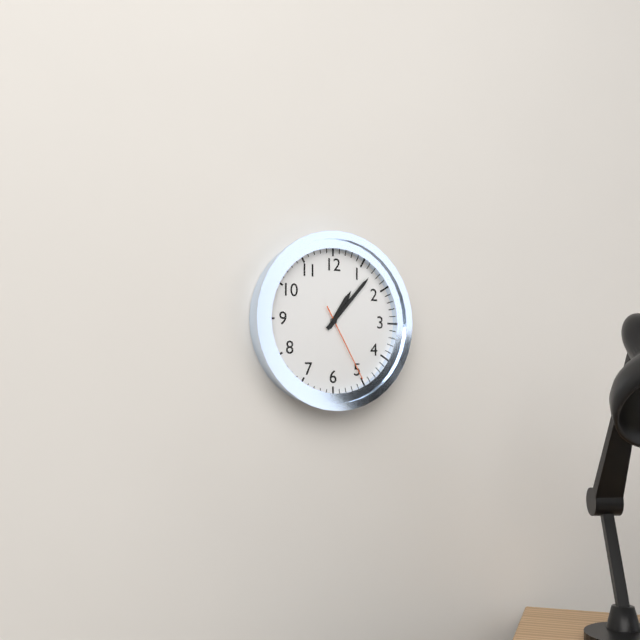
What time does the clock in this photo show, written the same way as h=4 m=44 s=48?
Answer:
h=1 m=7 s=25
